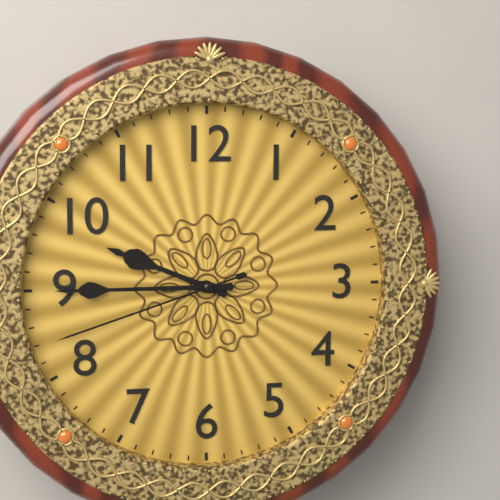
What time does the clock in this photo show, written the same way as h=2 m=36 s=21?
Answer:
h=9 m=45 s=42
